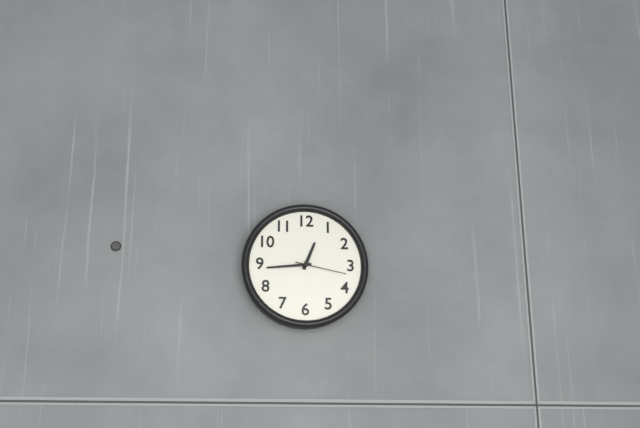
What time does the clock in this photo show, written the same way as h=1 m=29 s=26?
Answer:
h=12 m=44 s=17
